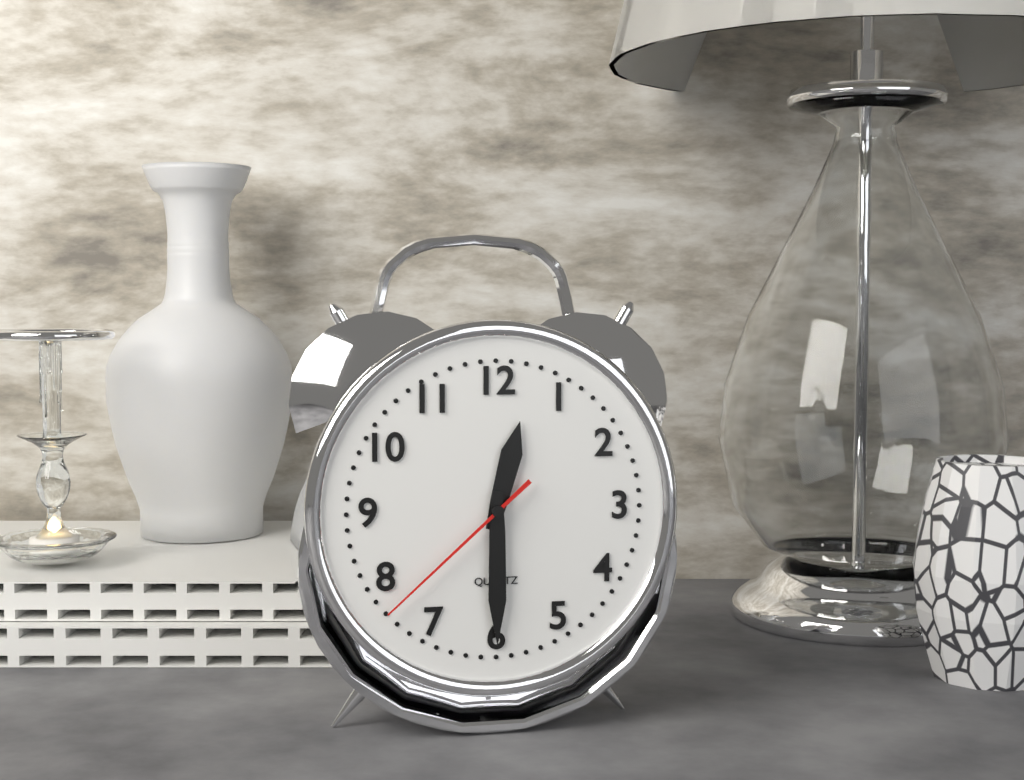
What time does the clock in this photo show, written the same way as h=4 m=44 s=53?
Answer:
h=12 m=30 s=38
